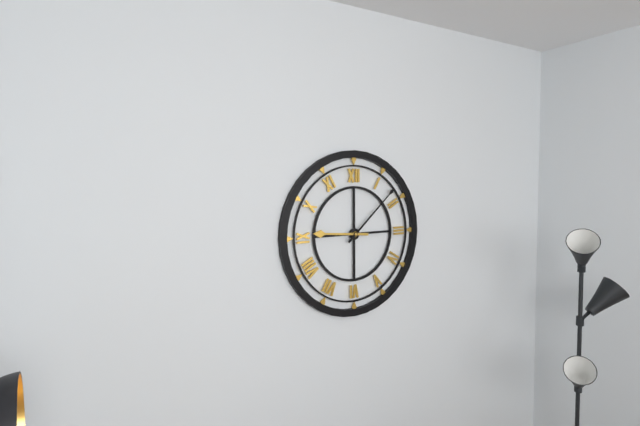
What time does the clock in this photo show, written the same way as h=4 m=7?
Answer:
h=9 m=8
